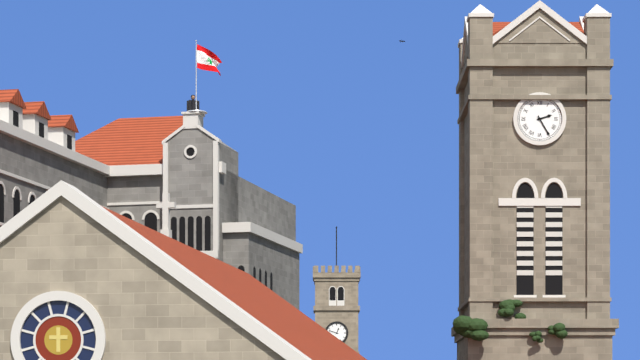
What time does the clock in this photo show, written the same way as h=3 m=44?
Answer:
h=2 m=25
